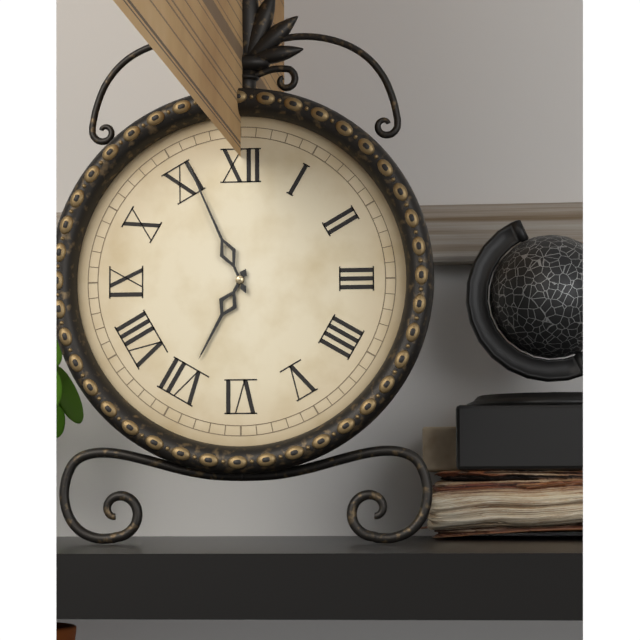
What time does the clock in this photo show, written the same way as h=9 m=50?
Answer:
h=6 m=56
